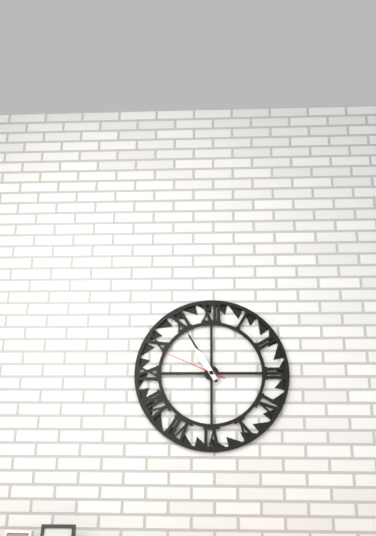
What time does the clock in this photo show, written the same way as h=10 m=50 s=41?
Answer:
h=10 m=55 s=49
